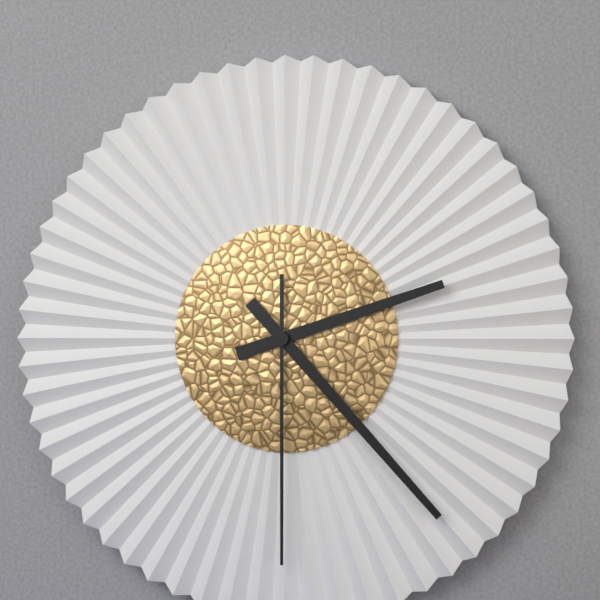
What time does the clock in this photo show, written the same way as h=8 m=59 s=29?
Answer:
h=2 m=23 s=30
